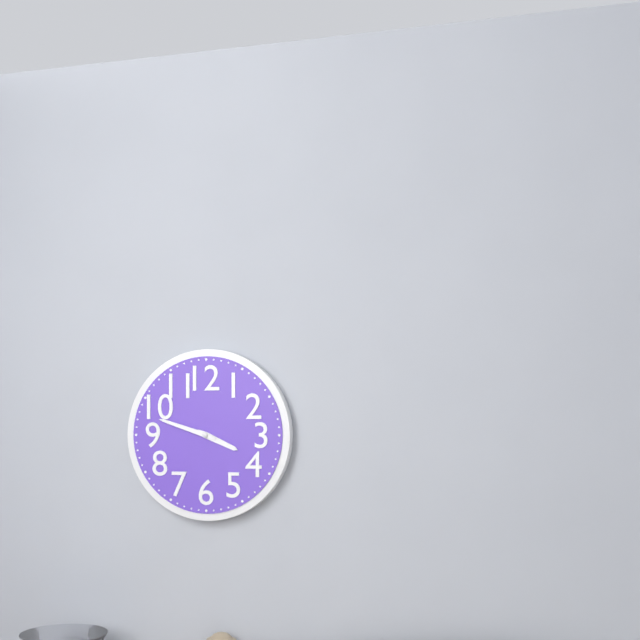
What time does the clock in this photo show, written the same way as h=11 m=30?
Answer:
h=3 m=48
